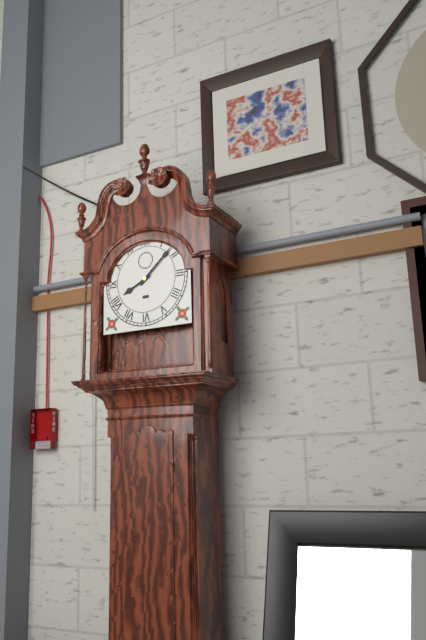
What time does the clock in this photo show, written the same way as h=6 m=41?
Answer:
h=8 m=8
